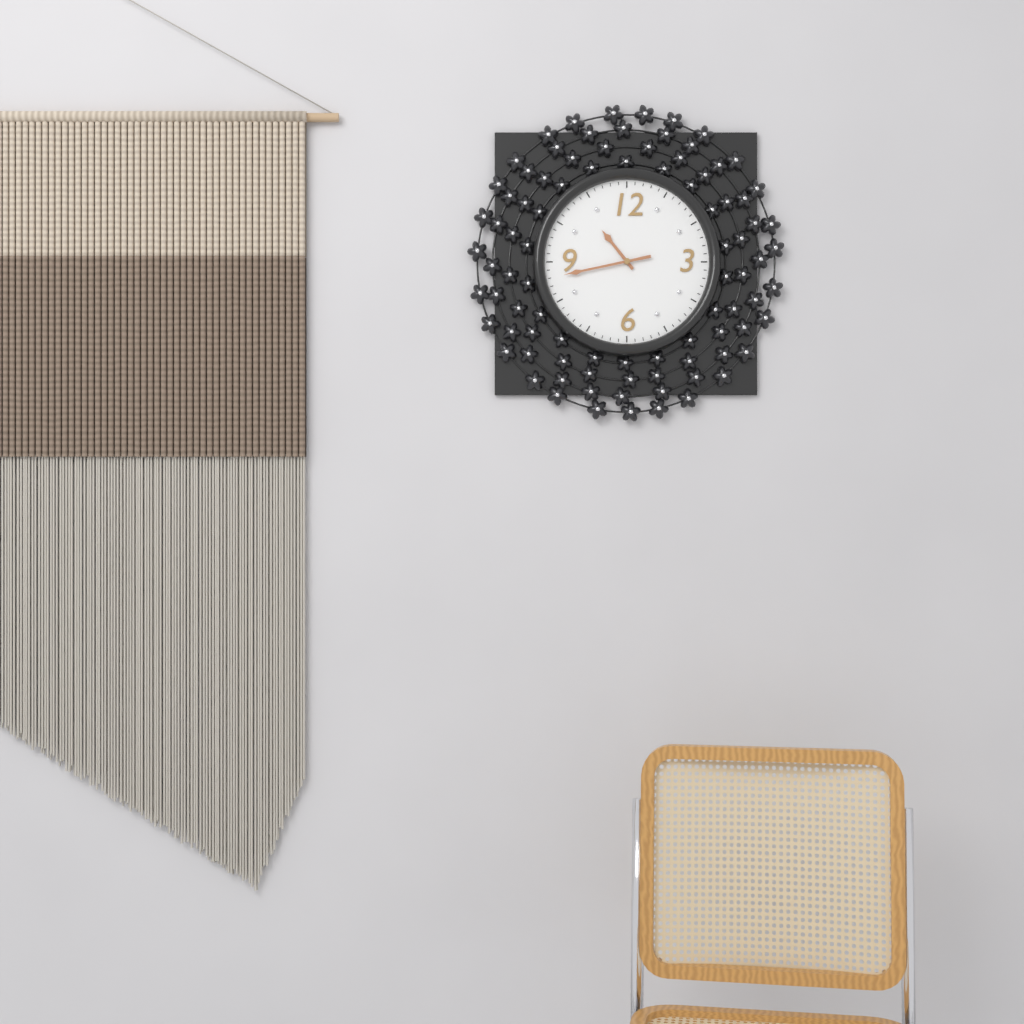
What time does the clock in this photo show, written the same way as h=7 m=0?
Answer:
h=10 m=43
